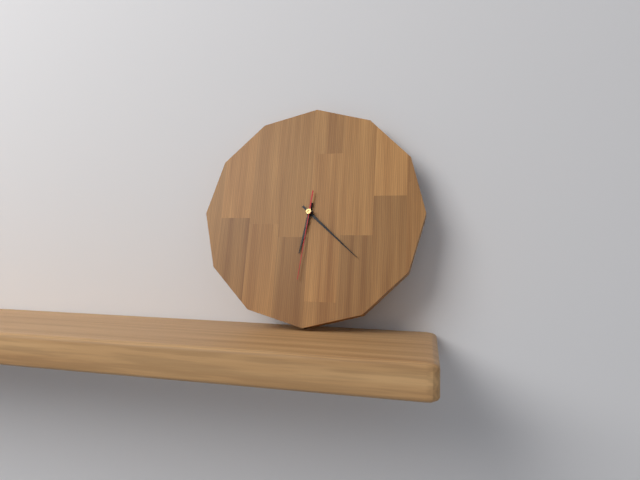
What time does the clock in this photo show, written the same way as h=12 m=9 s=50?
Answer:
h=6 m=22 s=31
